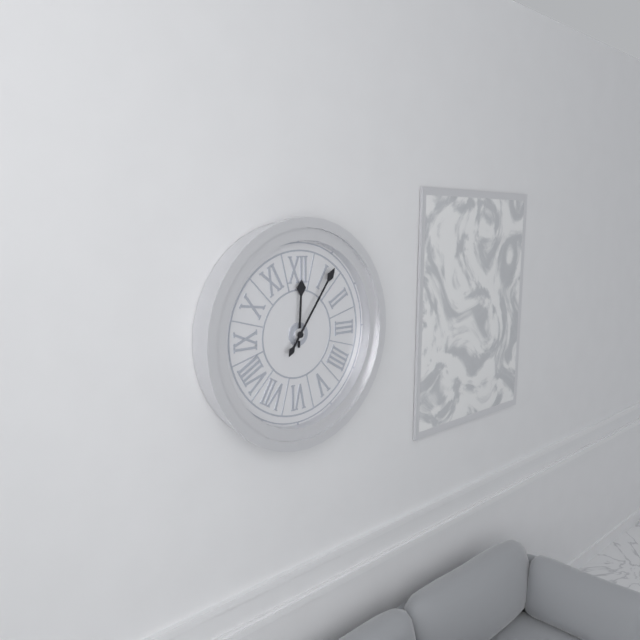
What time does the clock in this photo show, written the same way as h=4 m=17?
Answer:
h=12 m=6
